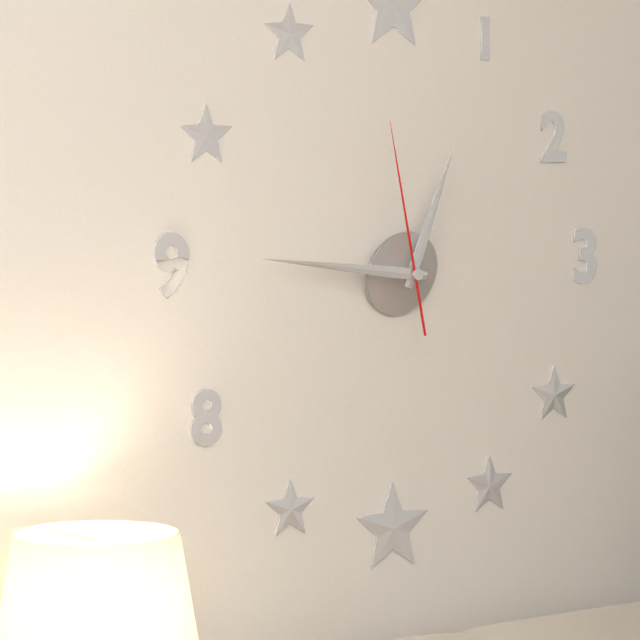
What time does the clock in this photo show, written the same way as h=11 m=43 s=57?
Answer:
h=12 m=46 s=58
